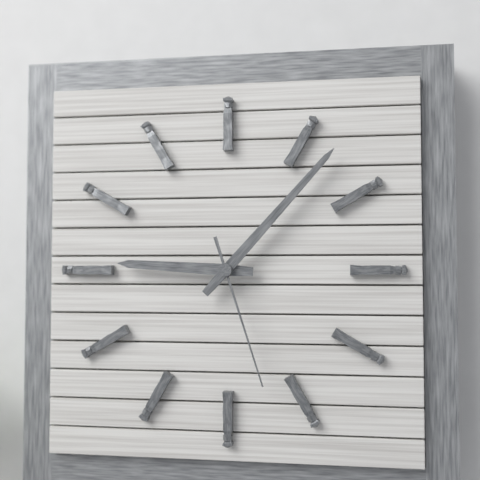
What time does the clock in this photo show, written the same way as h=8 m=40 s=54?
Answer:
h=9 m=7 s=27
